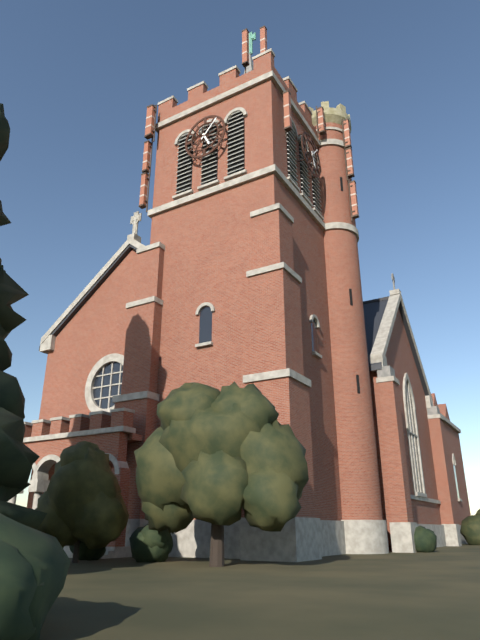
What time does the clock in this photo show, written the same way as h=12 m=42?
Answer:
h=5 m=7
